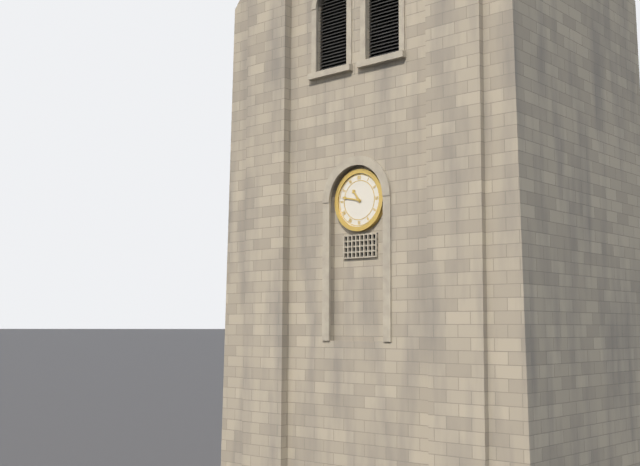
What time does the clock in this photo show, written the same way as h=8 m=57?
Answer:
h=10 m=47
